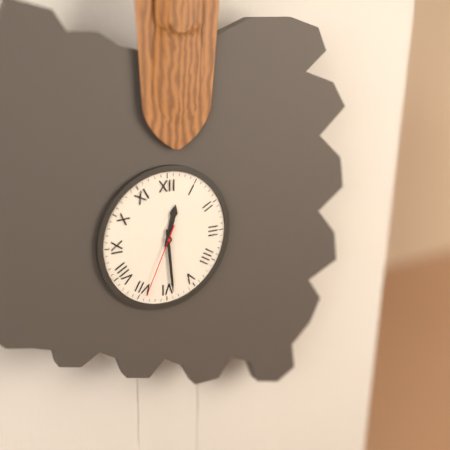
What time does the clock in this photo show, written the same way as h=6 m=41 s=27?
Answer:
h=12 m=29 s=34
